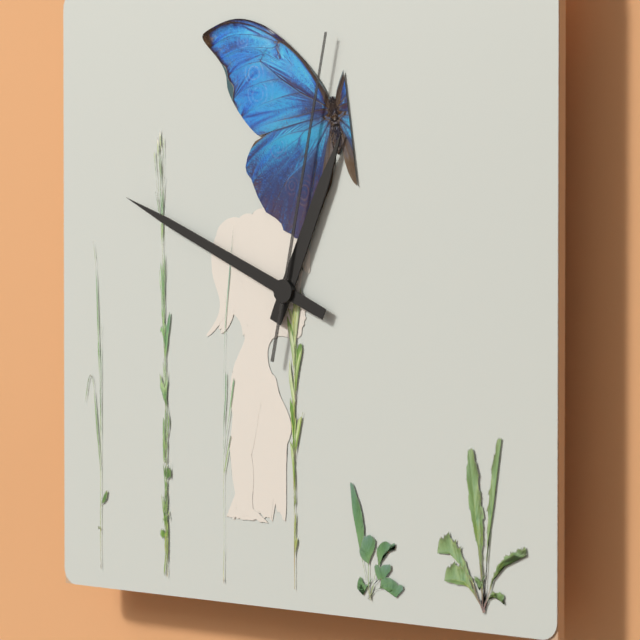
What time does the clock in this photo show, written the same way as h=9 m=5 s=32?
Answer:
h=12 m=49 s=2
